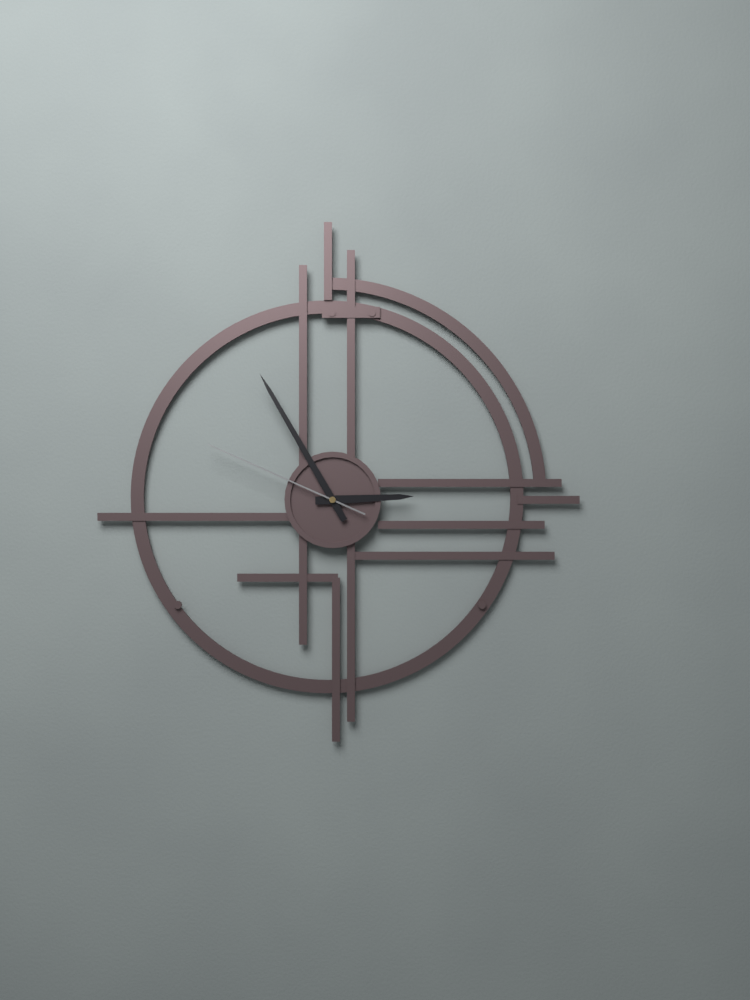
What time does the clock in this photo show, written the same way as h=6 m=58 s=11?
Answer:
h=2 m=55 s=49
